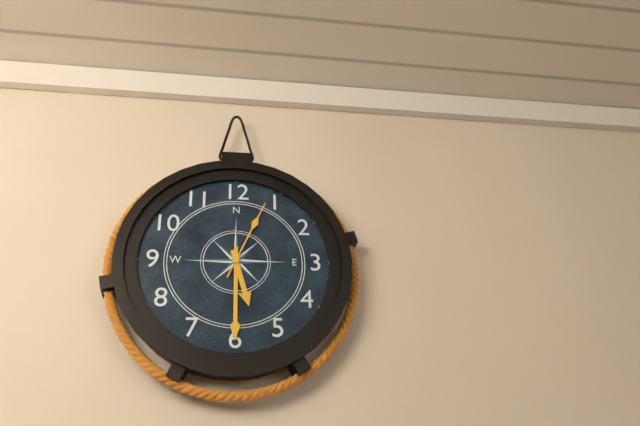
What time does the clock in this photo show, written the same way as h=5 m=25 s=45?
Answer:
h=5 m=30 s=4
